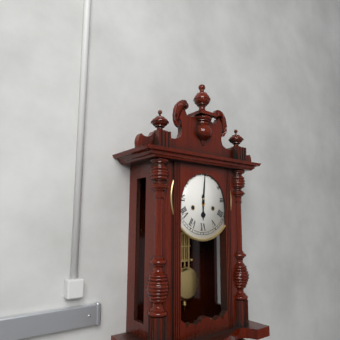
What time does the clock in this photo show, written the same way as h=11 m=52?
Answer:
h=6 m=1
